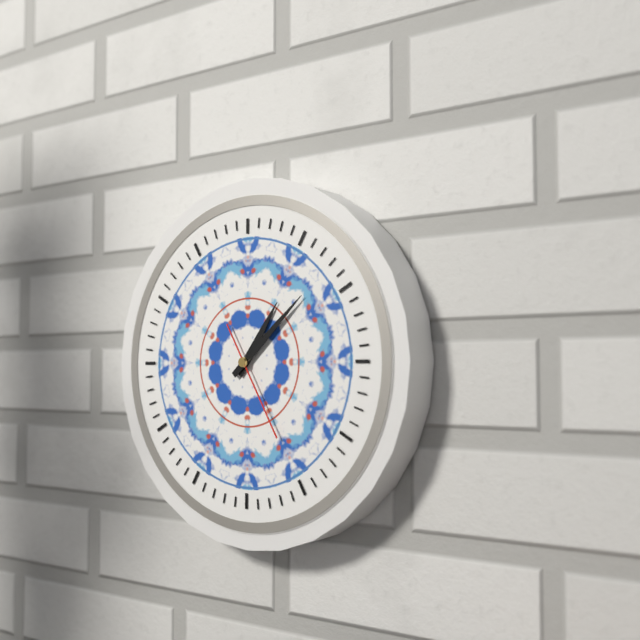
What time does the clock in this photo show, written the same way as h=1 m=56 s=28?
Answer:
h=1 m=8 s=25
